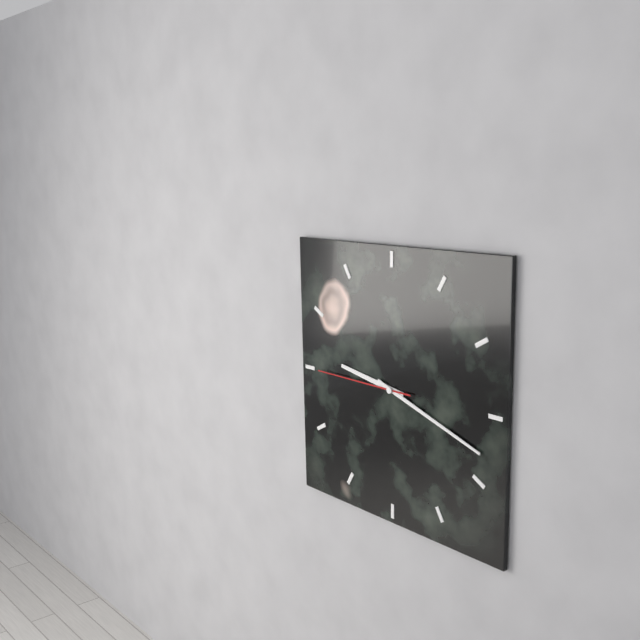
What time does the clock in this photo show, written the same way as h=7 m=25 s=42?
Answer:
h=9 m=18 s=45
